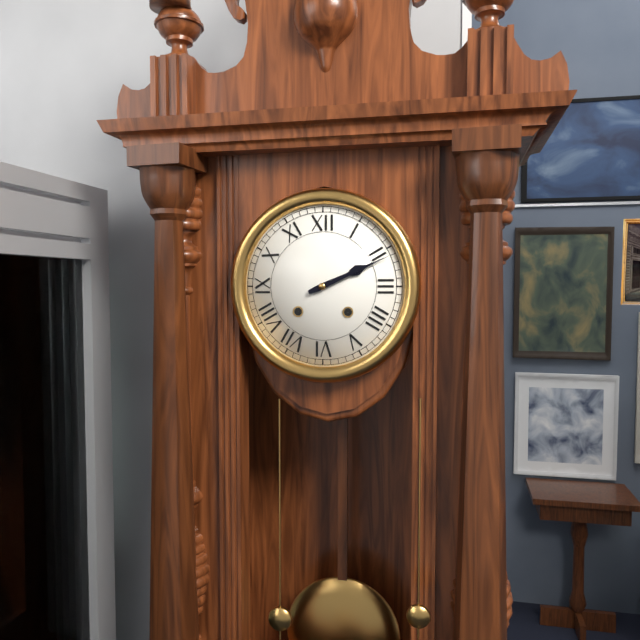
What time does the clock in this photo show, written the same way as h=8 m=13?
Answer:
h=2 m=11
